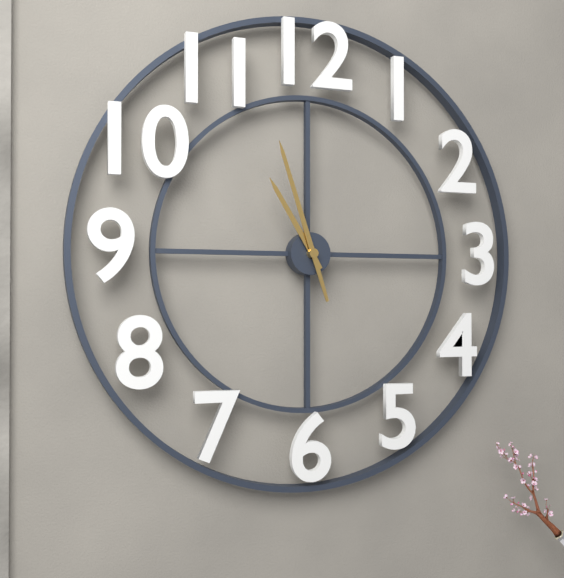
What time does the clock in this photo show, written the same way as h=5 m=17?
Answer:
h=10 m=57
